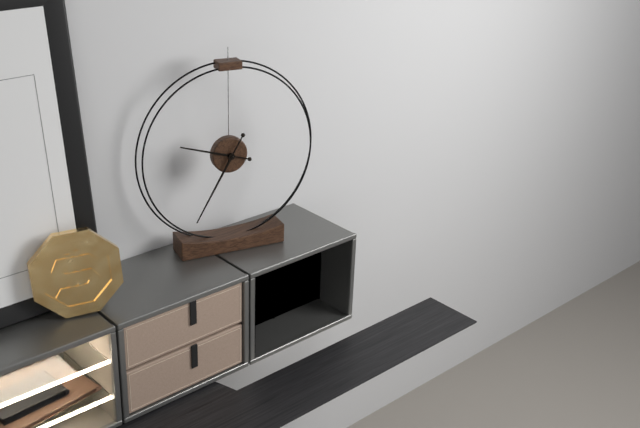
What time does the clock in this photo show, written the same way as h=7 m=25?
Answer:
h=9 m=35
